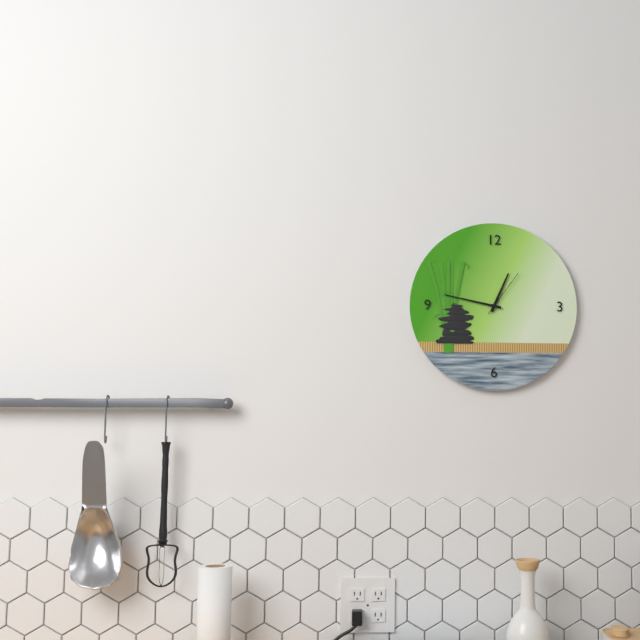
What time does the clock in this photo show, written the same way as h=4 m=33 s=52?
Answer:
h=12 m=47 s=6
